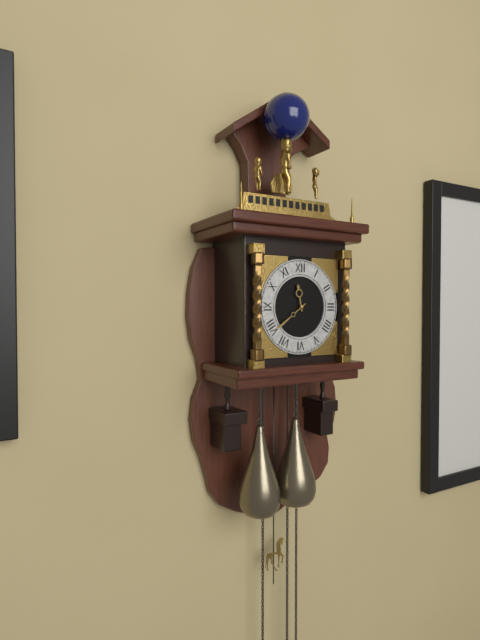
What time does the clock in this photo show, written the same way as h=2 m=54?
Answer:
h=11 m=39
